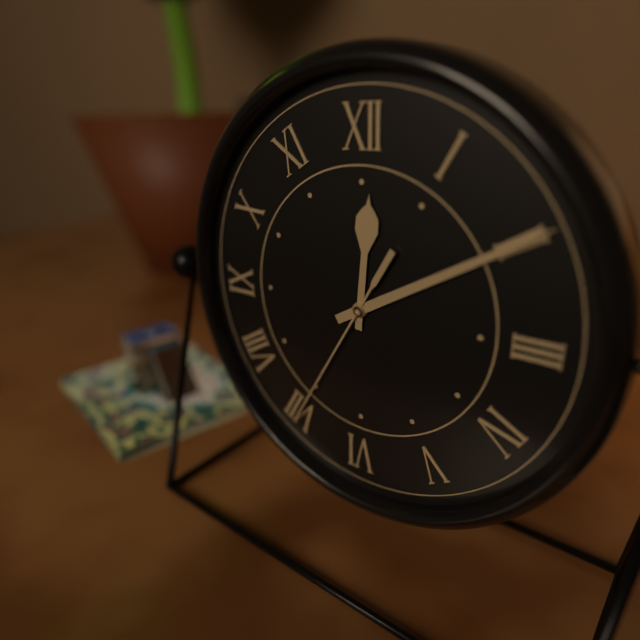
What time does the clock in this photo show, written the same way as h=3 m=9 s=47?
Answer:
h=12 m=10 s=35
